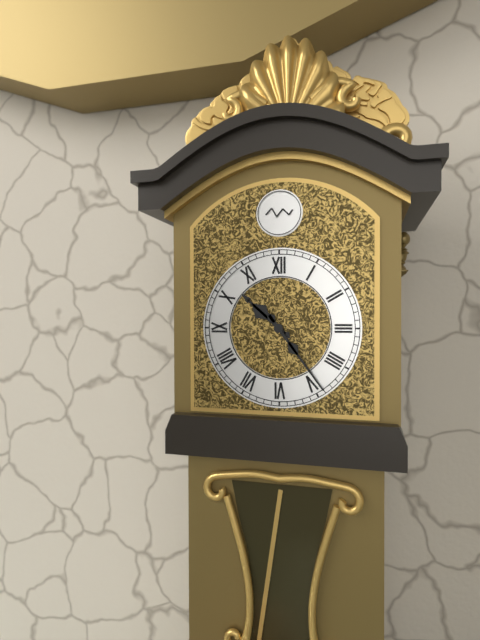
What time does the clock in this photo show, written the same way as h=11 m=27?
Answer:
h=10 m=24
